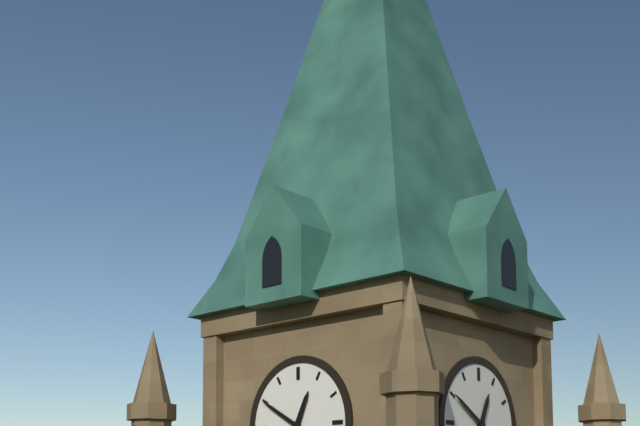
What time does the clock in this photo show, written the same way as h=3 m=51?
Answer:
h=12 m=50
